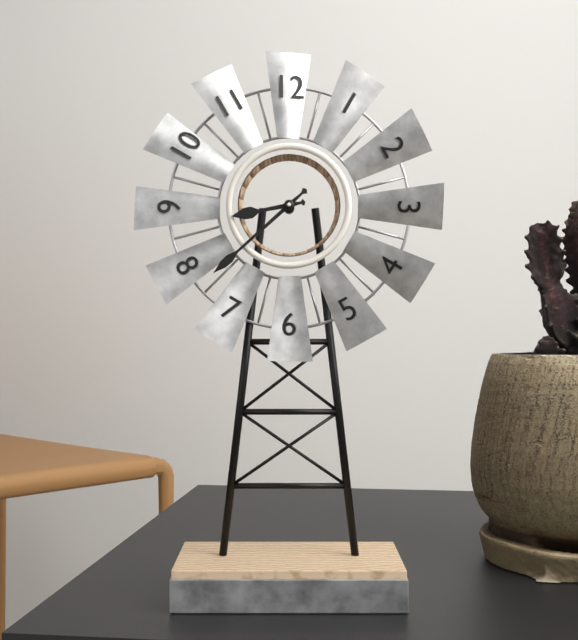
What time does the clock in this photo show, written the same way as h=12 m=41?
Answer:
h=8 m=38
